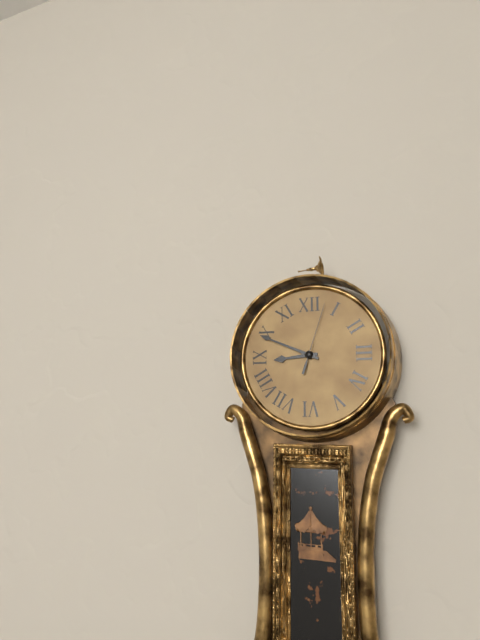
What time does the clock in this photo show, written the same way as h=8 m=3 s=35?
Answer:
h=8 m=49 s=3
